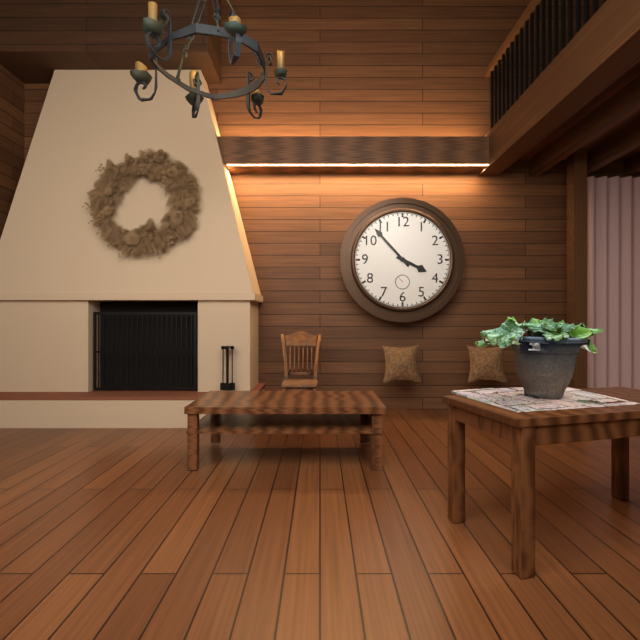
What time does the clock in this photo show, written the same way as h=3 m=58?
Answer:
h=3 m=53
